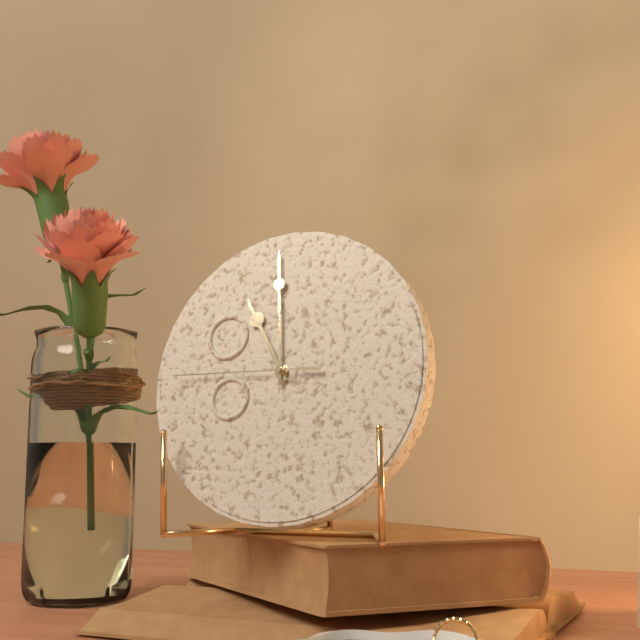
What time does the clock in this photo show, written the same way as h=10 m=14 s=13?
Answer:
h=10 m=59 s=45
